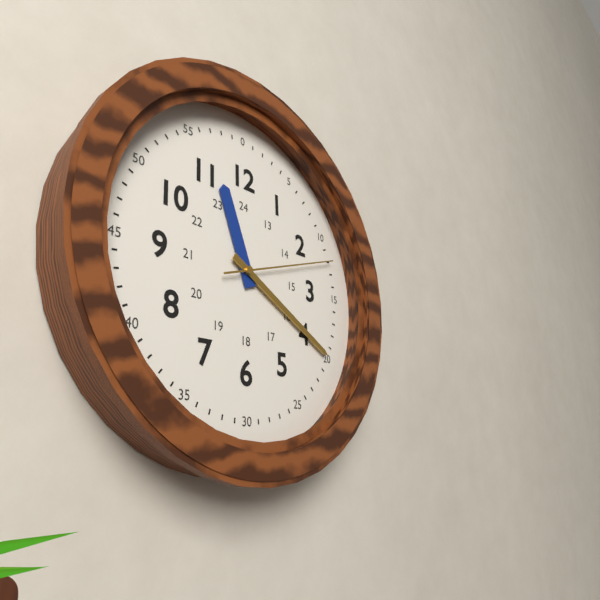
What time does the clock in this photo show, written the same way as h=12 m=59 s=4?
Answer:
h=11 m=20 s=12
